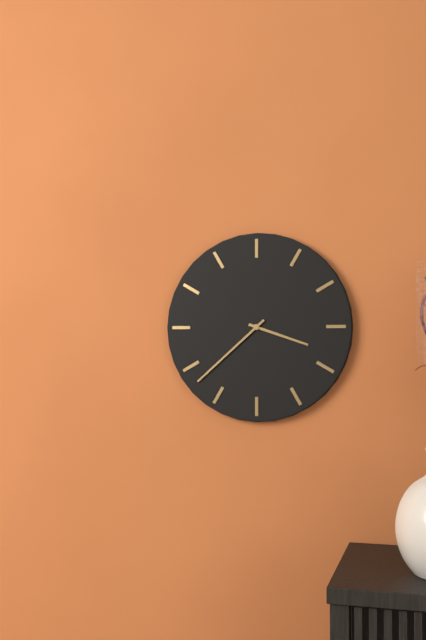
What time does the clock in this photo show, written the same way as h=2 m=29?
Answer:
h=3 m=38
